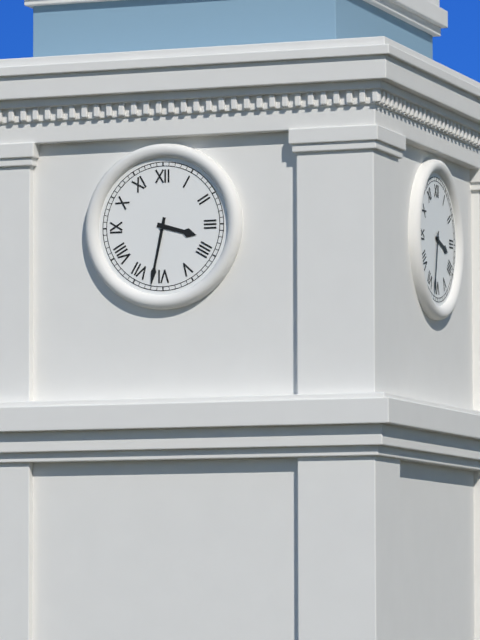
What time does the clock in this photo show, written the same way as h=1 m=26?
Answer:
h=3 m=32
